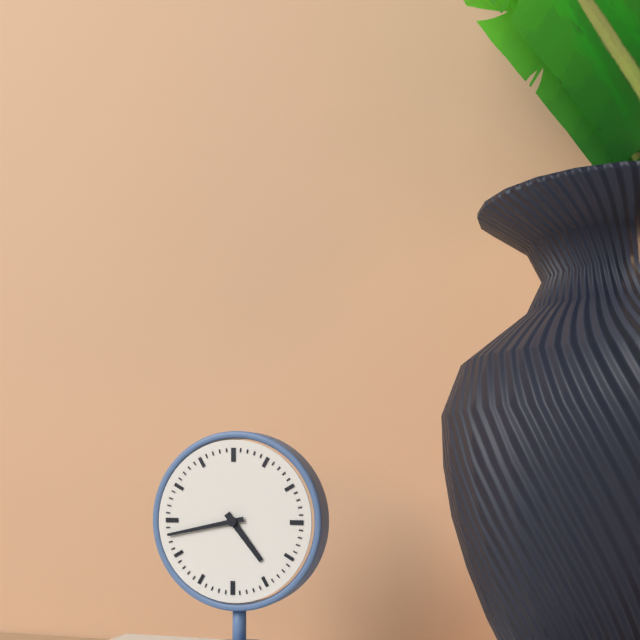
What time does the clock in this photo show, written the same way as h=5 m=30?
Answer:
h=4 m=43
